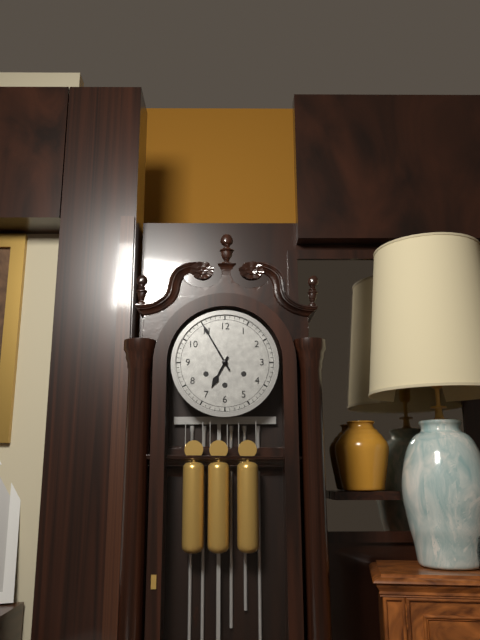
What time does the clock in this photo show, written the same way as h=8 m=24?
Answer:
h=6 m=55
